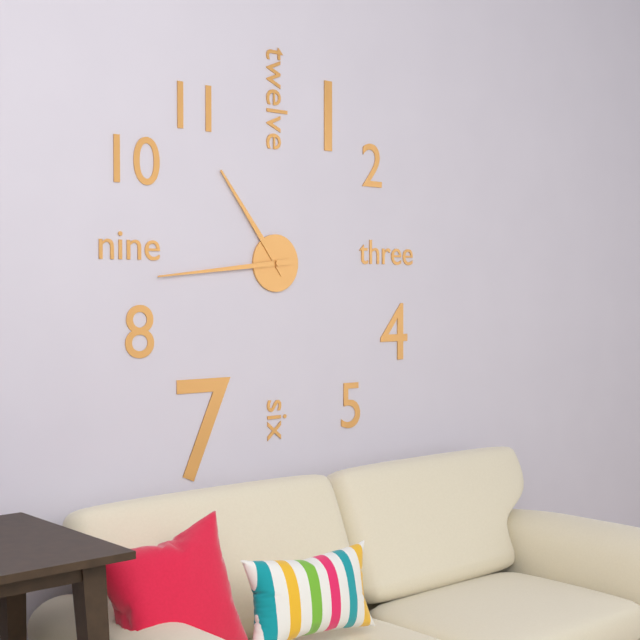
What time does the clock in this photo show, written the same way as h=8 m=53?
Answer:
h=10 m=44
